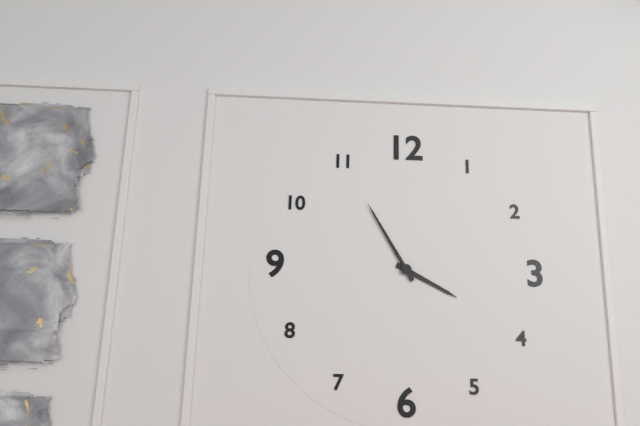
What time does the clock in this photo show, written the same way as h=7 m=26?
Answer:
h=3 m=55
